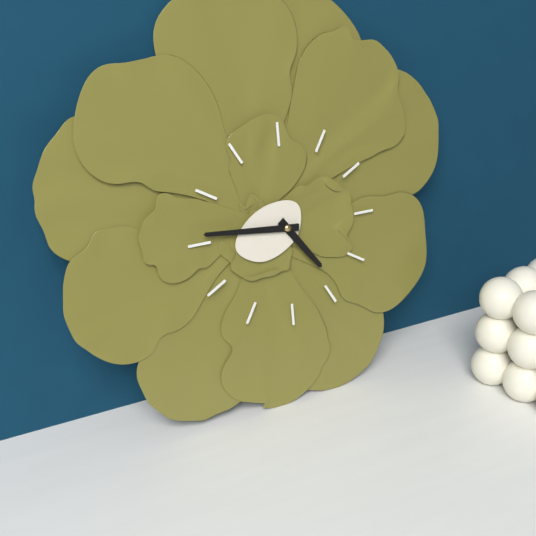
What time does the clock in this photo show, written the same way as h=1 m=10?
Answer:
h=4 m=46
